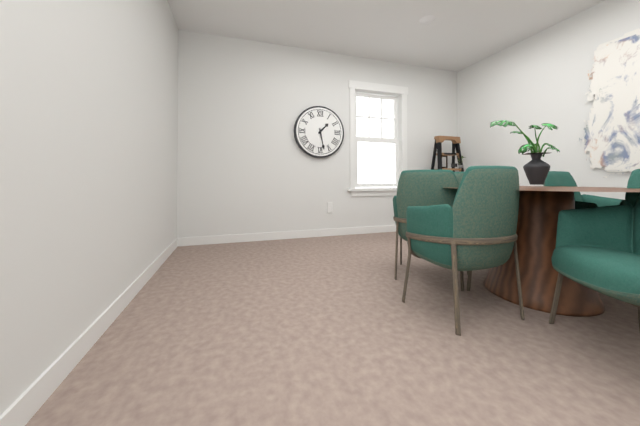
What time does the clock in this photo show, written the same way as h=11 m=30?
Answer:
h=1 m=28
